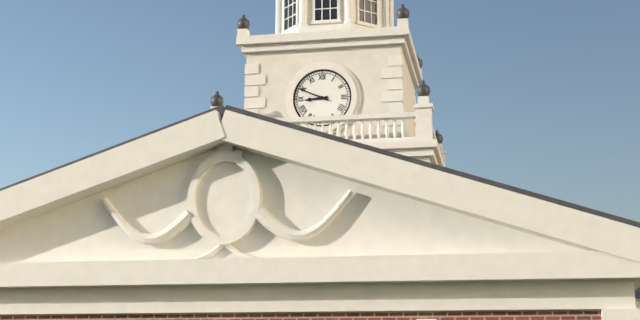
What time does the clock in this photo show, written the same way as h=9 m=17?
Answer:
h=8 m=49
